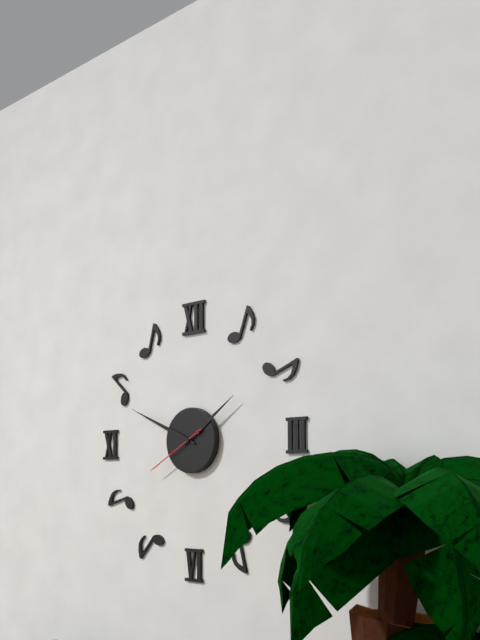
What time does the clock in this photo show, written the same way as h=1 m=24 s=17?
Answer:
h=1 m=49 s=40
